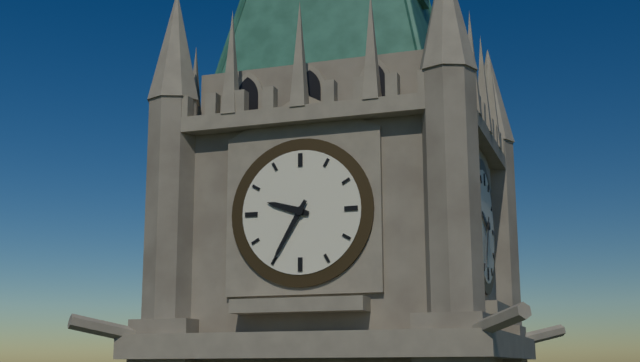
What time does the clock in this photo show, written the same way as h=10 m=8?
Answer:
h=9 m=35
